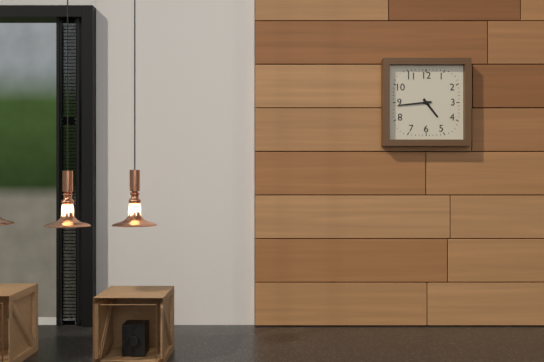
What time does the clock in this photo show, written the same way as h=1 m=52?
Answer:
h=4 m=44
